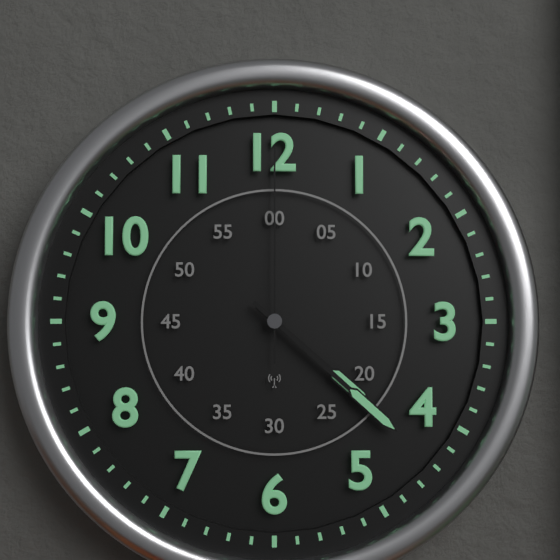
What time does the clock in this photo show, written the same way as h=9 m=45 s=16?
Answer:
h=4 m=22 s=0
